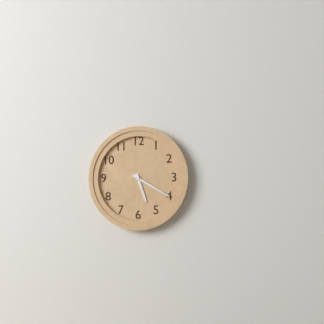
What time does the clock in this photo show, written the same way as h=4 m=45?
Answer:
h=5 m=20
